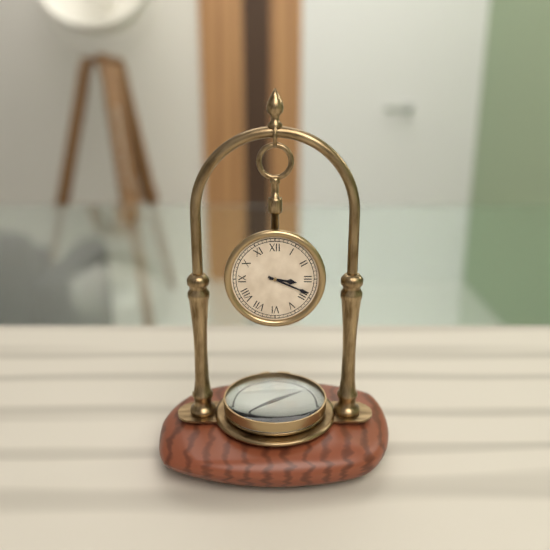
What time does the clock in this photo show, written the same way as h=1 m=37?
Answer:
h=3 m=19
